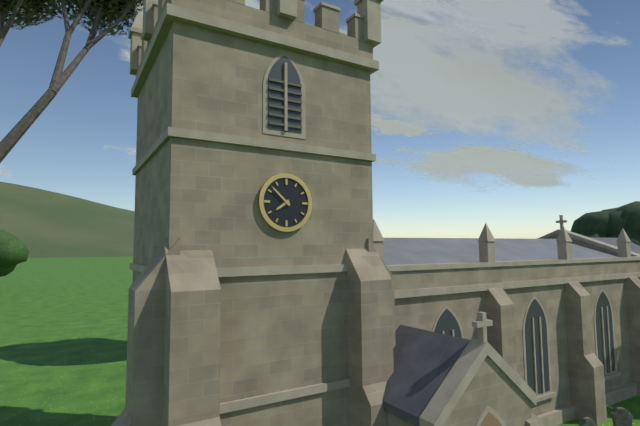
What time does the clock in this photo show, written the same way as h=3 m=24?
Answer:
h=7 m=52
